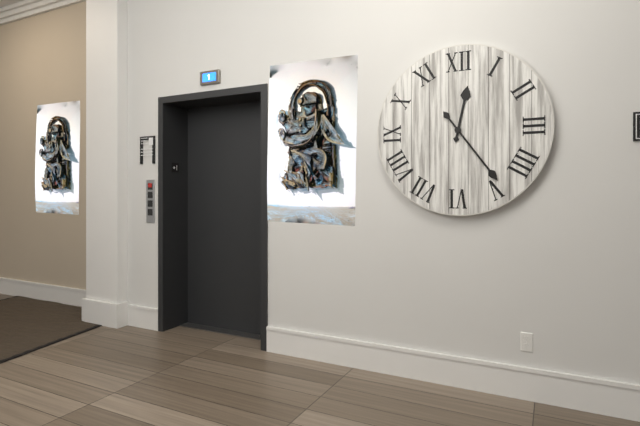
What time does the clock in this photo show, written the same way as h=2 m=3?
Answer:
h=12 m=24
